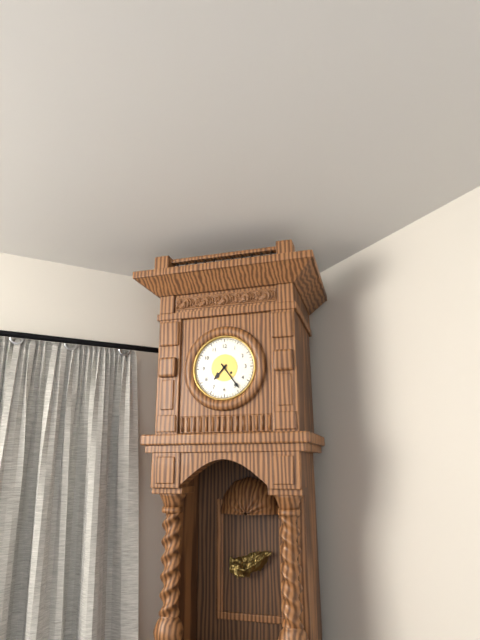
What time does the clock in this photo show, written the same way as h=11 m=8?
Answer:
h=7 m=24
